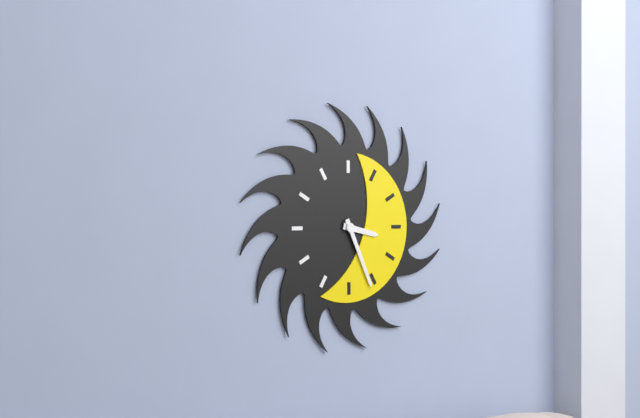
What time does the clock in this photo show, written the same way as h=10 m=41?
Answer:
h=3 m=26
